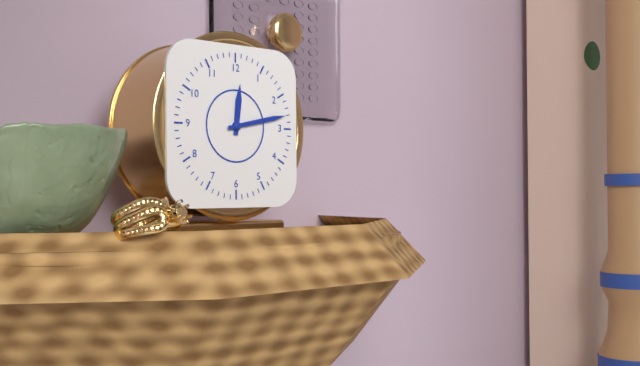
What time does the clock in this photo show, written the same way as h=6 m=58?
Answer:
h=12 m=13
